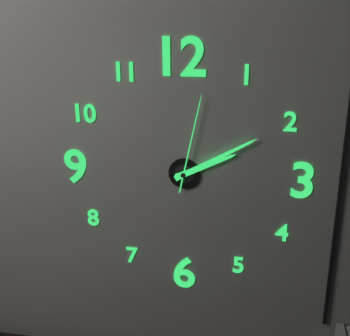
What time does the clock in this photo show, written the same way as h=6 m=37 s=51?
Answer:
h=2 m=10 s=2
